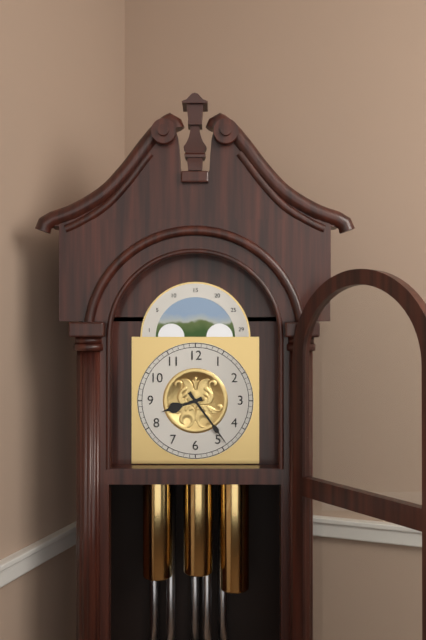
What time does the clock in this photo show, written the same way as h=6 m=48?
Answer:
h=8 m=24
